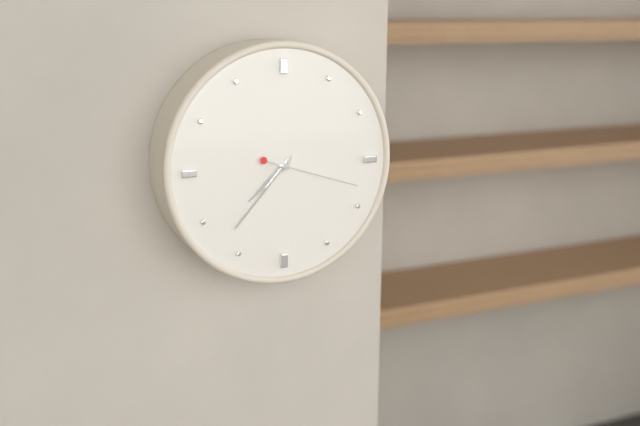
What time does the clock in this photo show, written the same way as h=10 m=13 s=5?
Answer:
h=7 m=37 s=18
